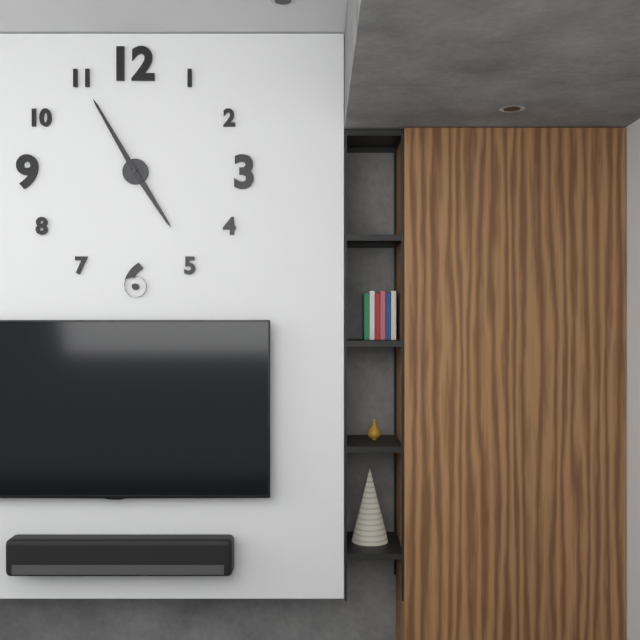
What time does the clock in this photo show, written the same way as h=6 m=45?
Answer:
h=4 m=55
